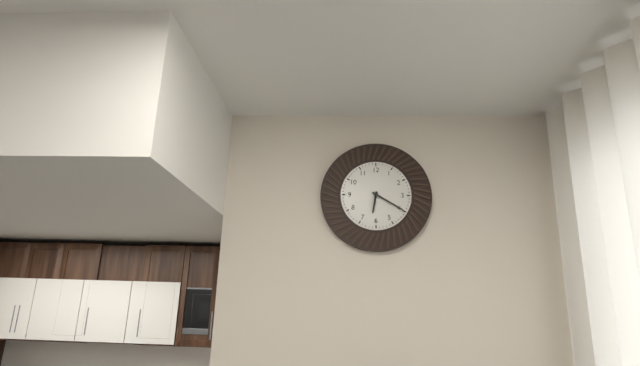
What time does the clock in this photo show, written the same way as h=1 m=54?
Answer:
h=6 m=20
